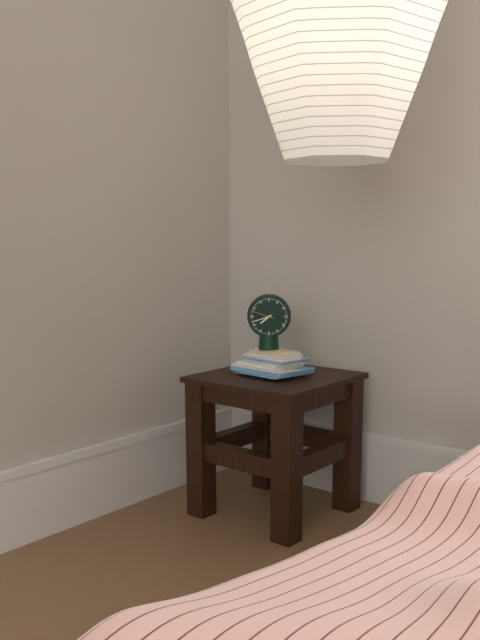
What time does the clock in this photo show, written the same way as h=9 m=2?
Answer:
h=7 m=42
